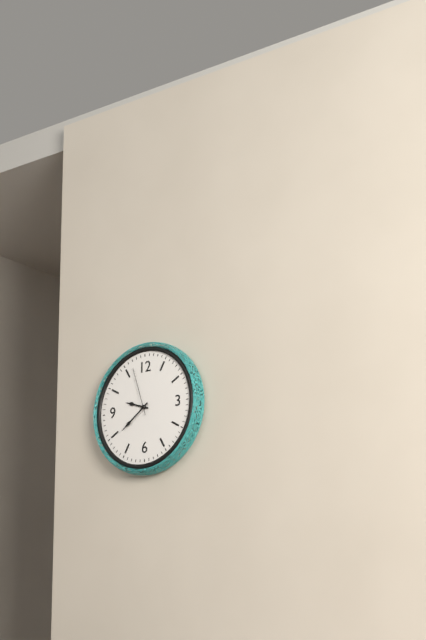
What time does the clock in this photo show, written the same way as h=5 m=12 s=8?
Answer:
h=9 m=39 s=57
